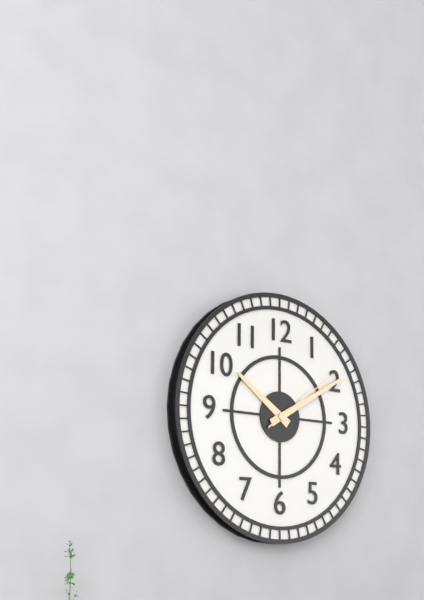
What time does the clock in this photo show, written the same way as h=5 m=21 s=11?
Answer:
h=10 m=10 s=9
